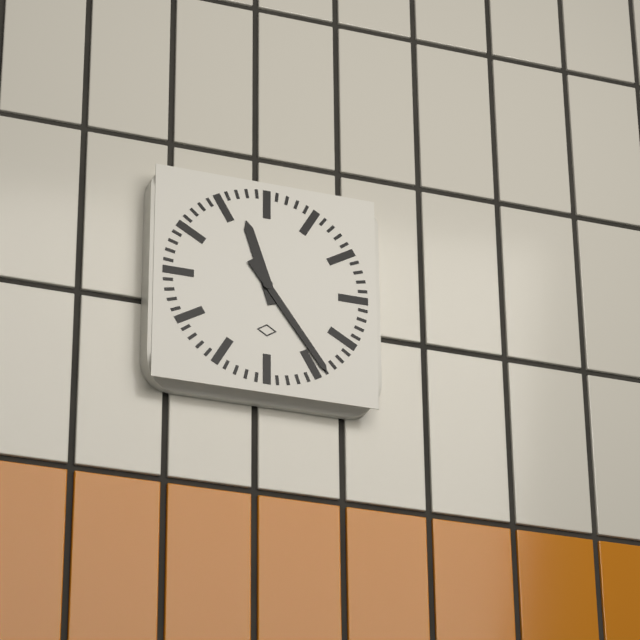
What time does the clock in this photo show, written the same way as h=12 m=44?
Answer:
h=11 m=24
